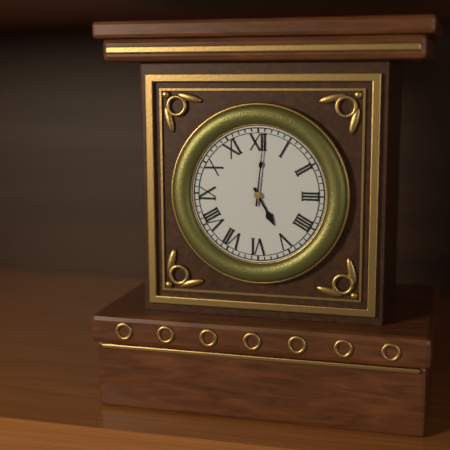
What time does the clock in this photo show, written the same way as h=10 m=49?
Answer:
h=5 m=1
